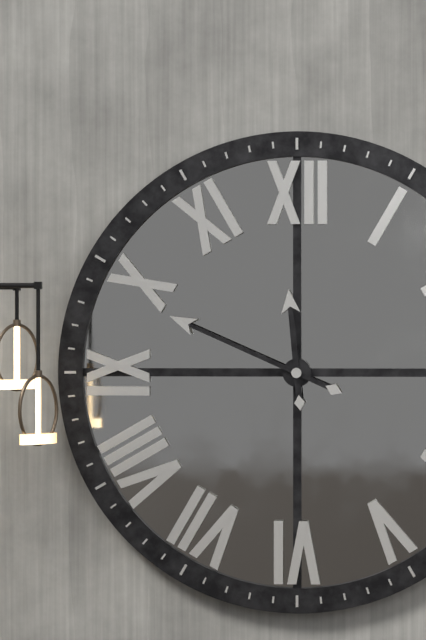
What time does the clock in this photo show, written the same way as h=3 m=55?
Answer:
h=11 m=49
